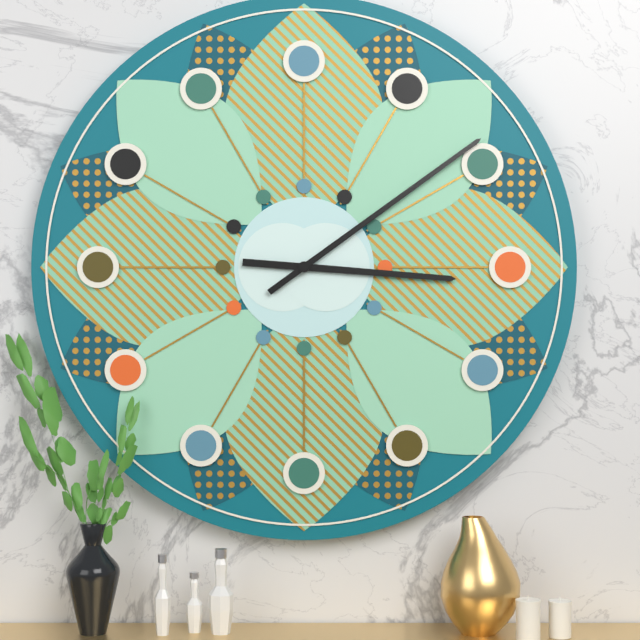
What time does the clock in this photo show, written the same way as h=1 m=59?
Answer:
h=3 m=9
